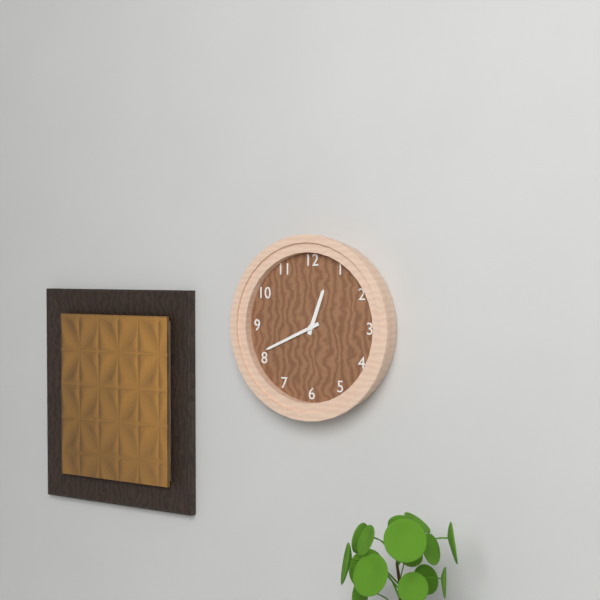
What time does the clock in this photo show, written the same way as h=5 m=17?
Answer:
h=12 m=41
